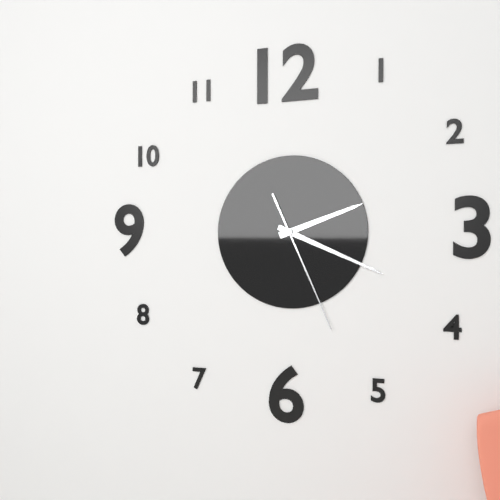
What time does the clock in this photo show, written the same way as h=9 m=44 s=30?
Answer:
h=2 m=19 s=26
